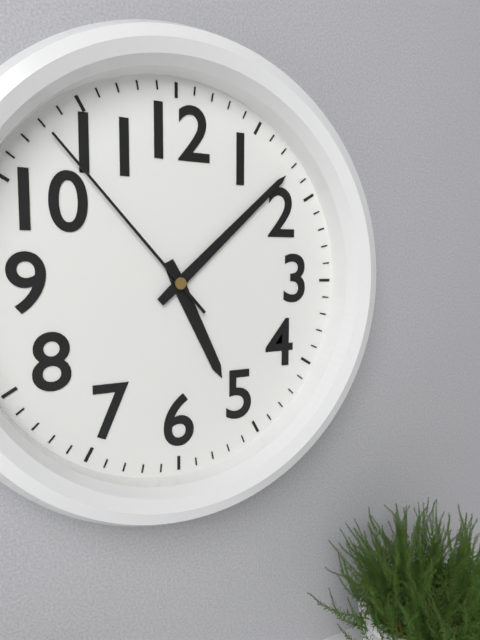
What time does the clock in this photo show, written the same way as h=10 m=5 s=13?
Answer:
h=5 m=8 s=53
